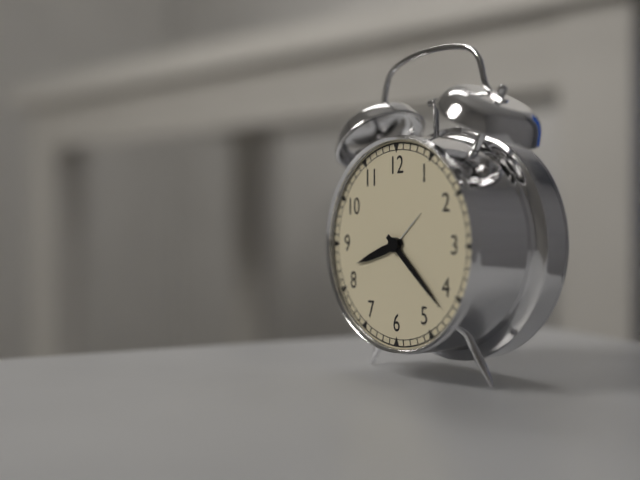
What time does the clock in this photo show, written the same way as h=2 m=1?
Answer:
h=8 m=22
